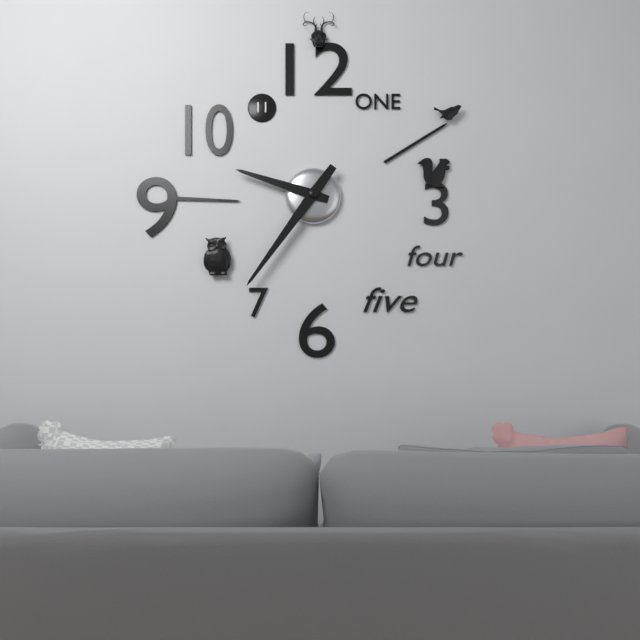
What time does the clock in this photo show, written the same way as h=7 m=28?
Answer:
h=9 m=36
